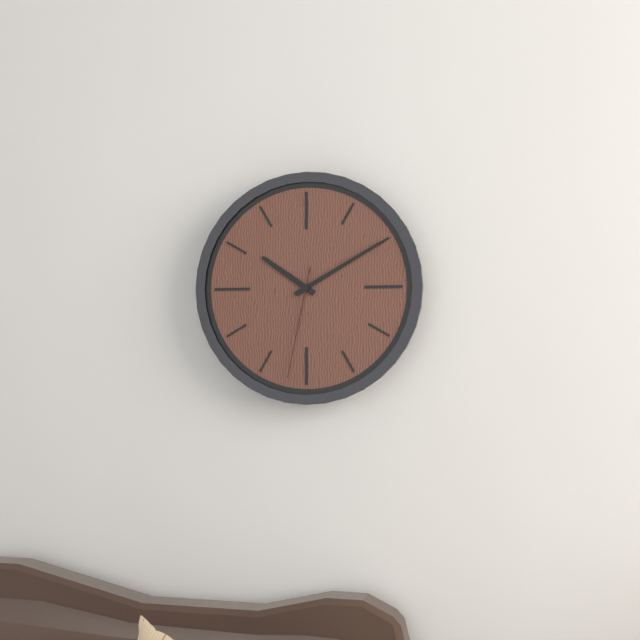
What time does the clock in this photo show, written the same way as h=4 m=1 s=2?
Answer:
h=10 m=10 s=32
